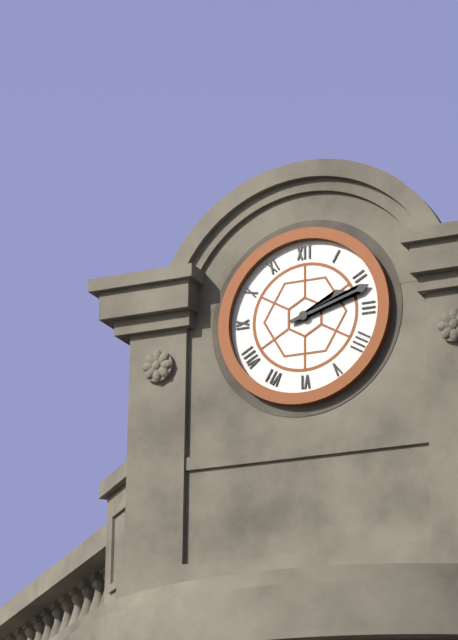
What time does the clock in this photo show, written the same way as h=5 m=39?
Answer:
h=2 m=12
